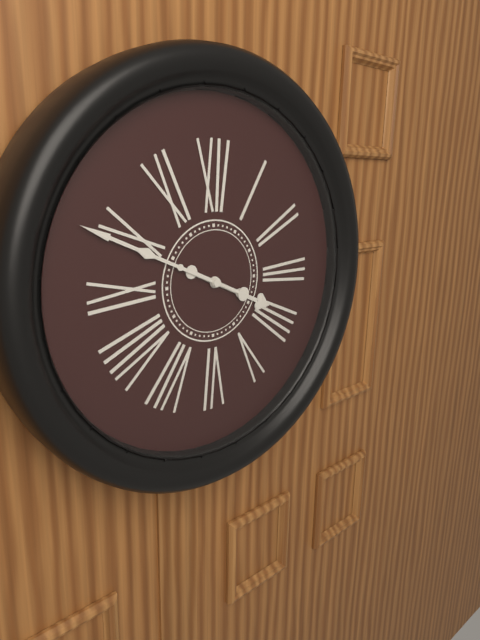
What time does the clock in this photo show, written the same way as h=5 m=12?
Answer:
h=3 m=49
